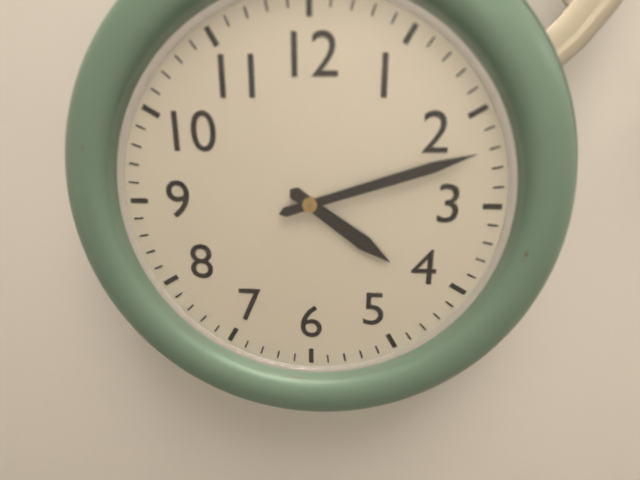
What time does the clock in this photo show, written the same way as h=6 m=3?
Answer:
h=4 m=12
